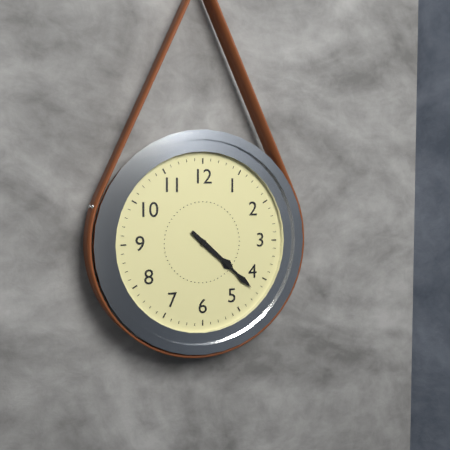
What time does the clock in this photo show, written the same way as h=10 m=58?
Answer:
h=4 m=22
